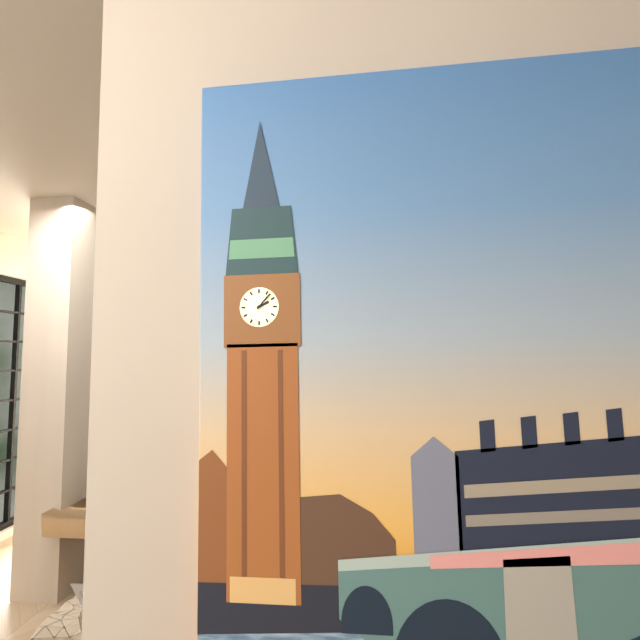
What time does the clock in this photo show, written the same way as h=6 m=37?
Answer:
h=2 m=7
